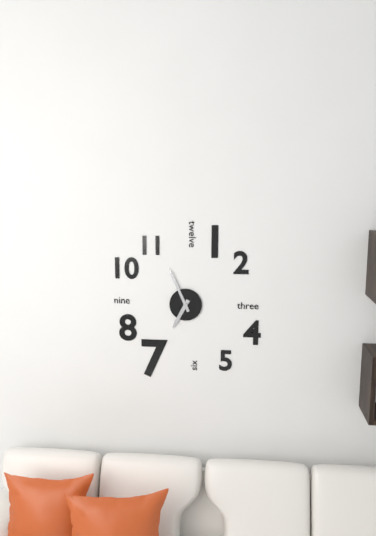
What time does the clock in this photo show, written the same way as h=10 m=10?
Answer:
h=6 m=56
